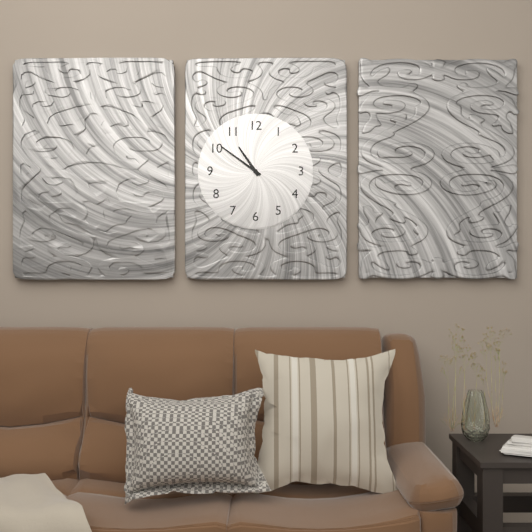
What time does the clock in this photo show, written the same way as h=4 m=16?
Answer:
h=10 m=51
